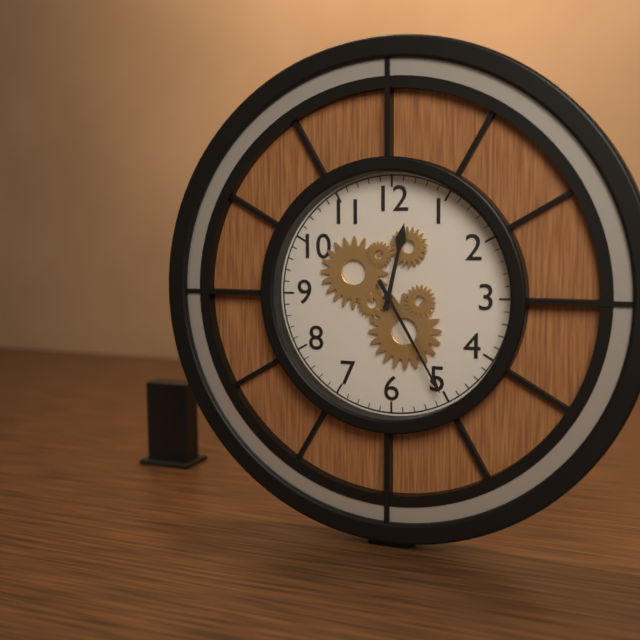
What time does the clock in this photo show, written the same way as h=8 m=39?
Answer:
h=12 m=25
